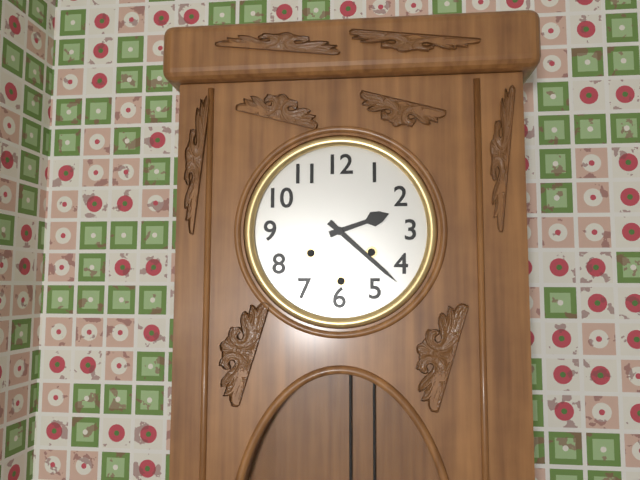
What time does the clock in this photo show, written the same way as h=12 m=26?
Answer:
h=2 m=22
